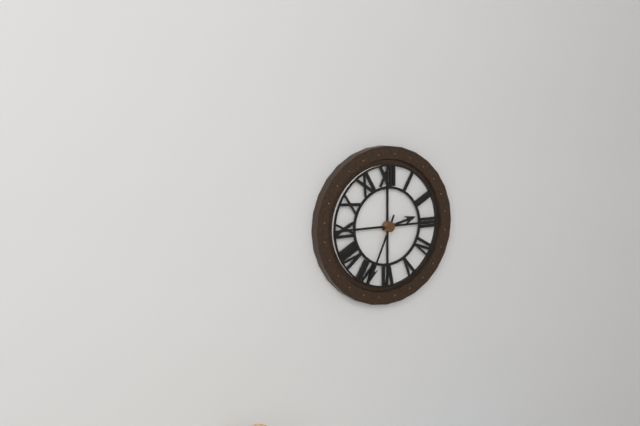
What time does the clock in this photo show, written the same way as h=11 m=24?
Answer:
h=2 m=34
